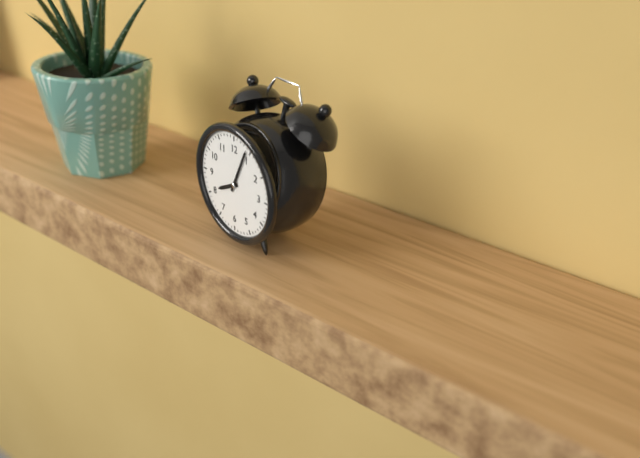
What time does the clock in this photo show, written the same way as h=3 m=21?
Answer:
h=8 m=4
